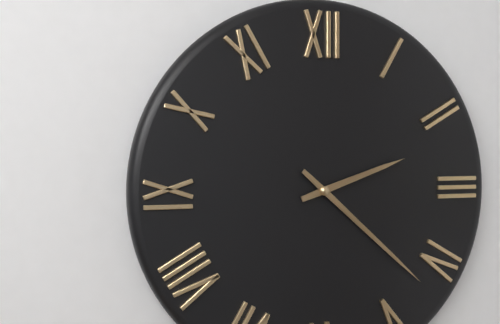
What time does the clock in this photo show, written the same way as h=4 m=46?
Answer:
h=2 m=22
